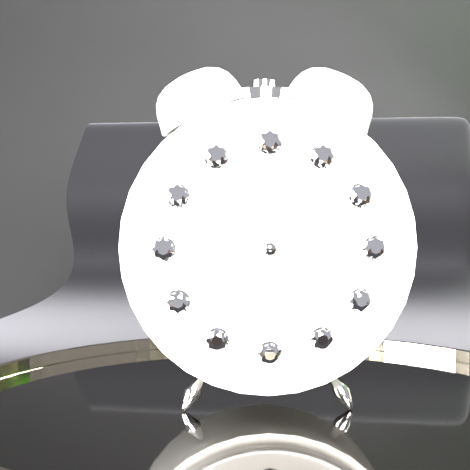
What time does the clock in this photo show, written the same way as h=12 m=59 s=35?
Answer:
h=12 m=43 s=20
